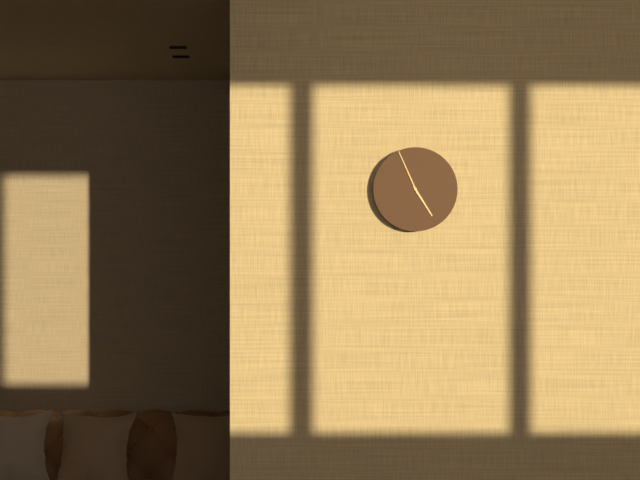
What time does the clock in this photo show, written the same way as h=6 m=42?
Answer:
h=4 m=56
